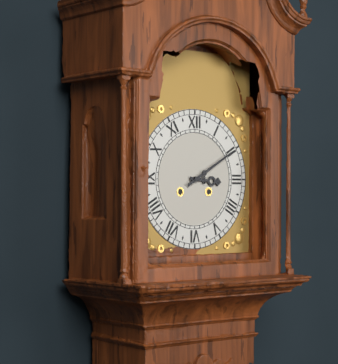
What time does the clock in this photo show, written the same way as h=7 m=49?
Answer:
h=3 m=10
